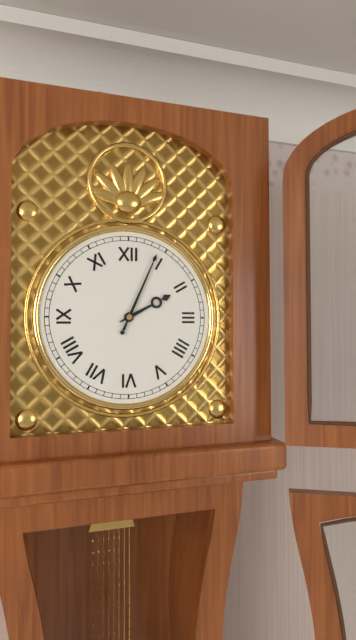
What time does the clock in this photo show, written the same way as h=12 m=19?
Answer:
h=2 m=4
